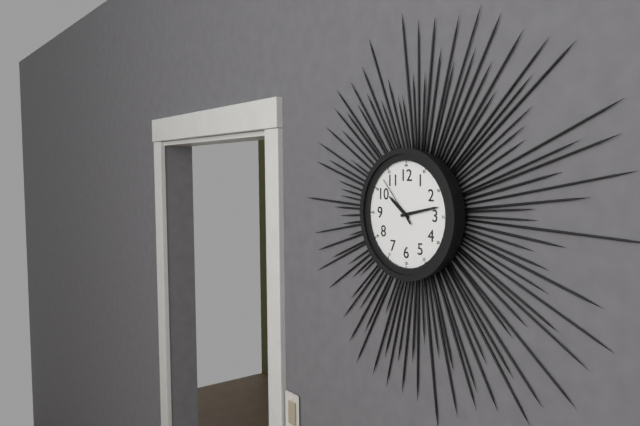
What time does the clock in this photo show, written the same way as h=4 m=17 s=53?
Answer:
h=10 m=13 s=53
